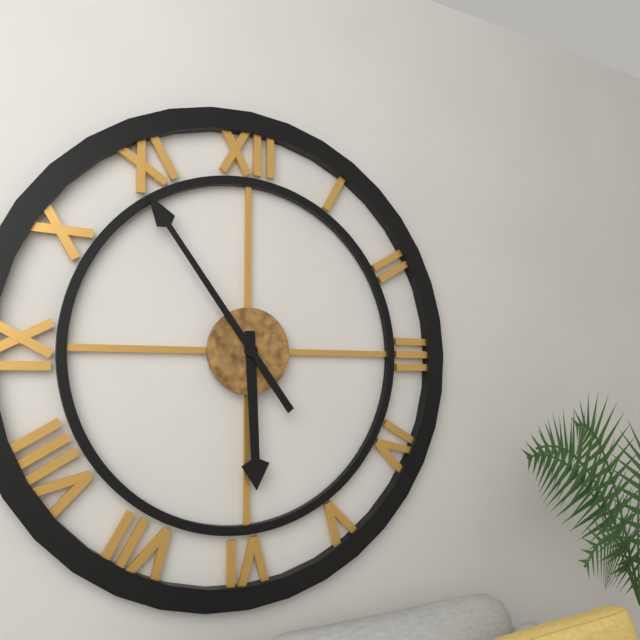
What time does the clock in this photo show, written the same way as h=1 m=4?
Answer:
h=5 m=54
